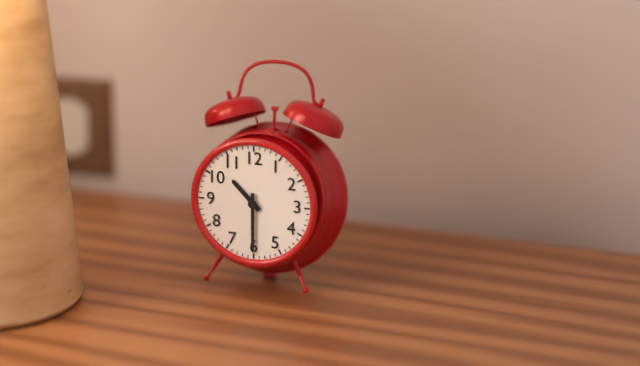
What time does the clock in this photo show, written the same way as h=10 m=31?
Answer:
h=10 m=30
